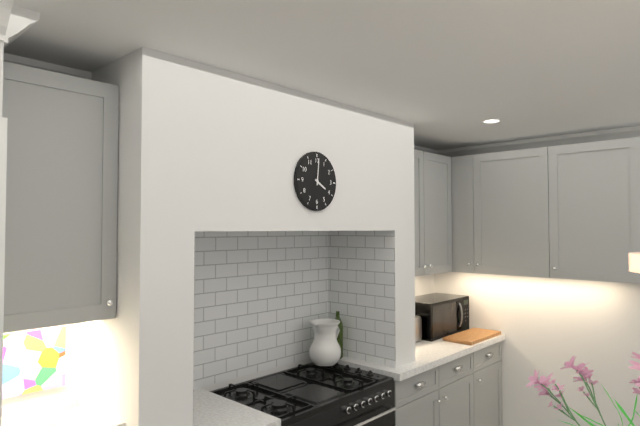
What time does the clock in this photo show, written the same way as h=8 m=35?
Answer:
h=4 m=1
